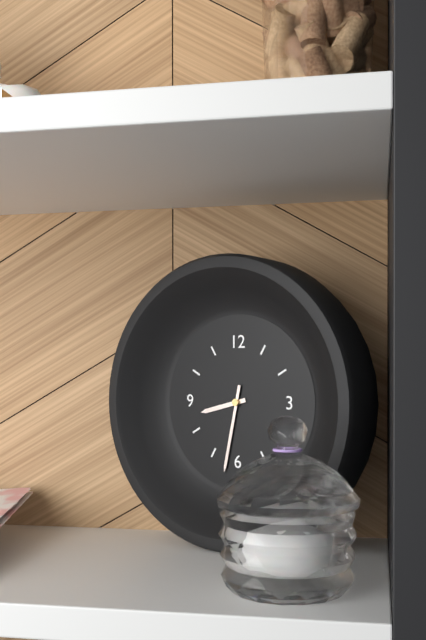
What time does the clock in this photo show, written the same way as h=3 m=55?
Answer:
h=8 m=32
